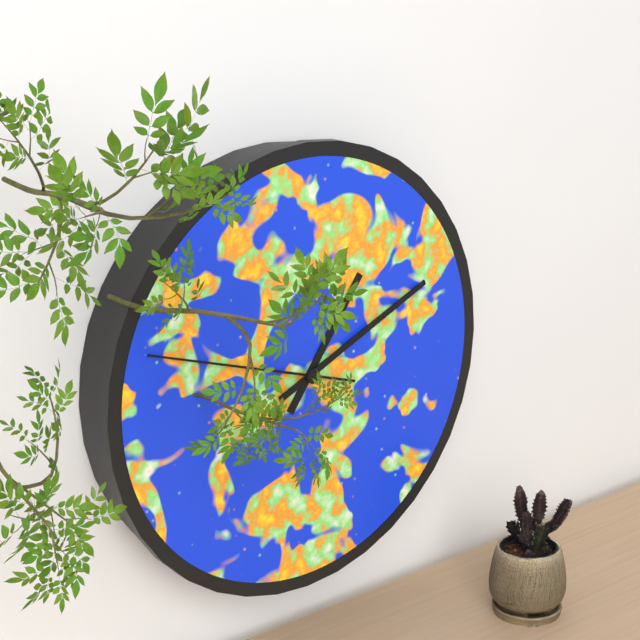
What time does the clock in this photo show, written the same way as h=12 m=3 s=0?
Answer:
h=1 m=11 s=48
